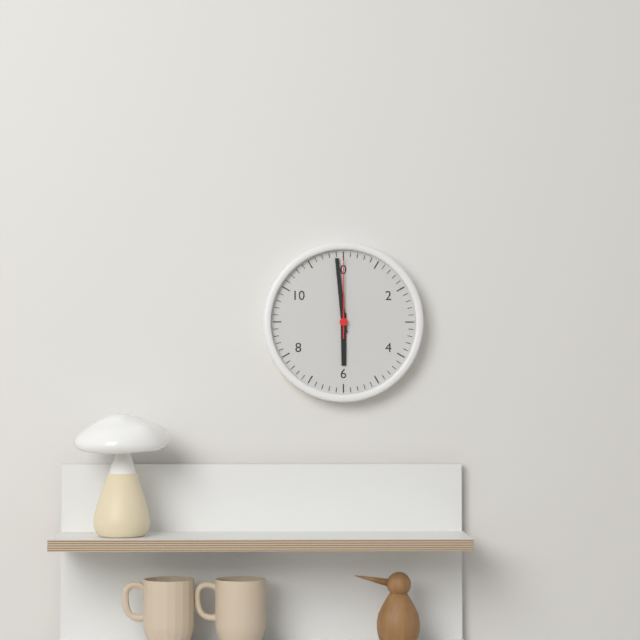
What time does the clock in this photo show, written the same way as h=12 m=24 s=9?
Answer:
h=5 m=59 s=0
